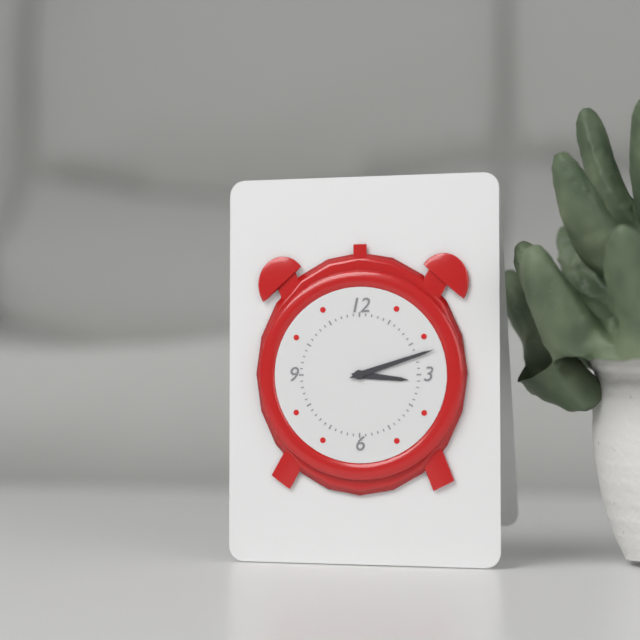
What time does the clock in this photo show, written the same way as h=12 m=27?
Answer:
h=3 m=12
